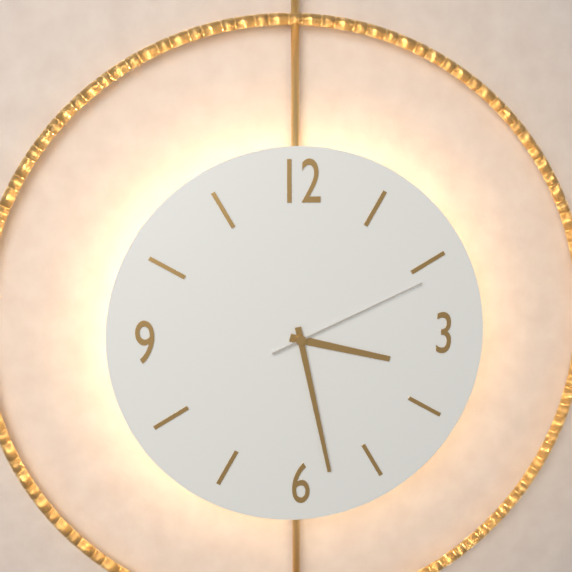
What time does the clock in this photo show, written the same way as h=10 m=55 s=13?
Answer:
h=3 m=28 s=11
